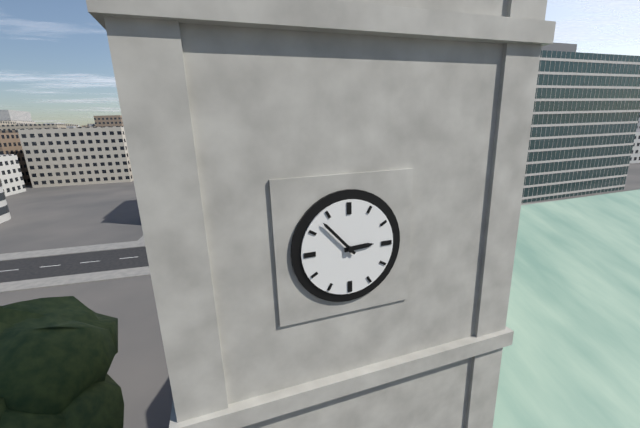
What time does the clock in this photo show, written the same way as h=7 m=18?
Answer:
h=2 m=53
